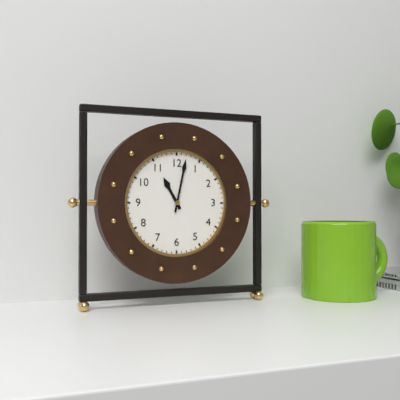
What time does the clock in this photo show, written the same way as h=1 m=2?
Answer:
h=11 m=2
